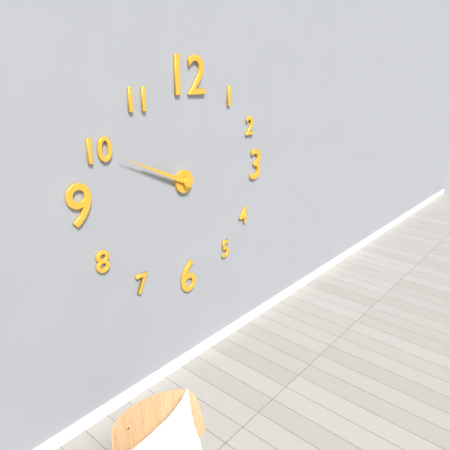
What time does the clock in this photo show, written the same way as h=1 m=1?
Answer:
h=9 m=49
